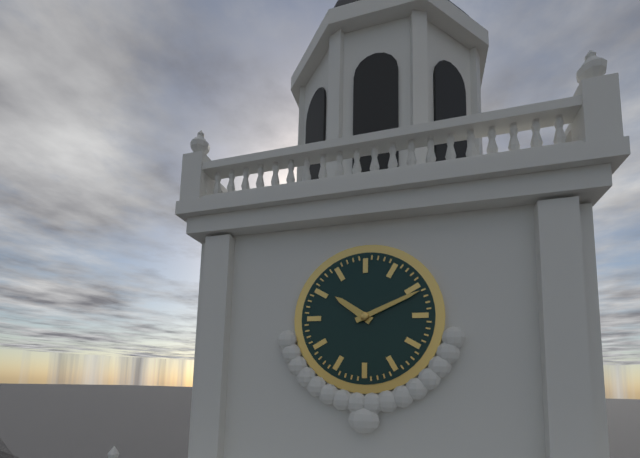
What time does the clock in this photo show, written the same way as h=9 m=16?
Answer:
h=10 m=11
